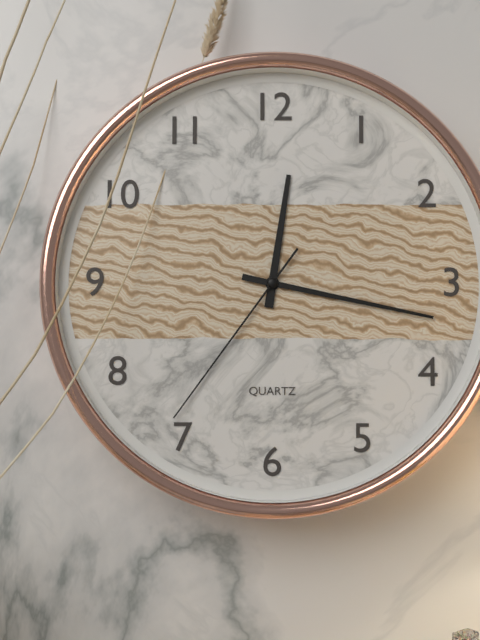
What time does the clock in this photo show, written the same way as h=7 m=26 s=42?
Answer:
h=12 m=17 s=36
